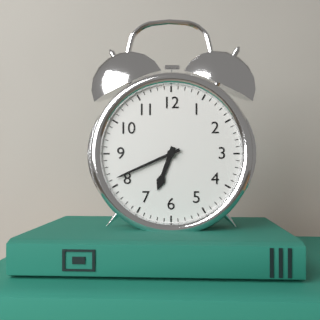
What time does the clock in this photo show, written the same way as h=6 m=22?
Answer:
h=6 m=41
